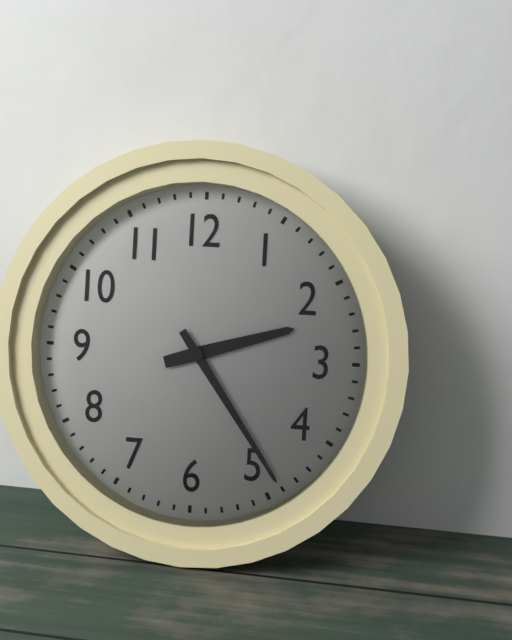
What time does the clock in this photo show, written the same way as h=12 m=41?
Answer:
h=2 m=24
